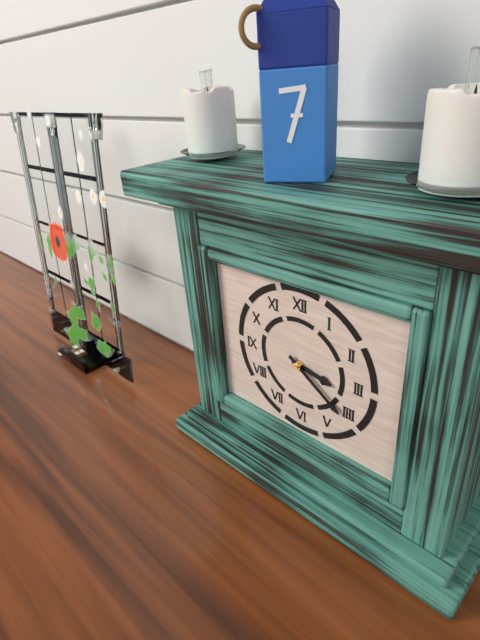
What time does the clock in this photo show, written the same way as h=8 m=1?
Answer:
h=3 m=21
